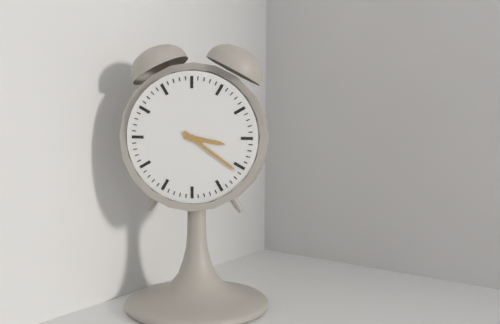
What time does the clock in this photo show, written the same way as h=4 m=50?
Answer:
h=3 m=21
